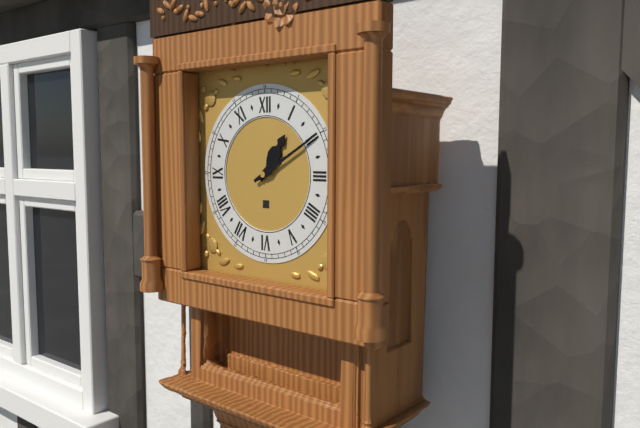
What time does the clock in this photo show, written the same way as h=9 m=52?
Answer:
h=1 m=10
